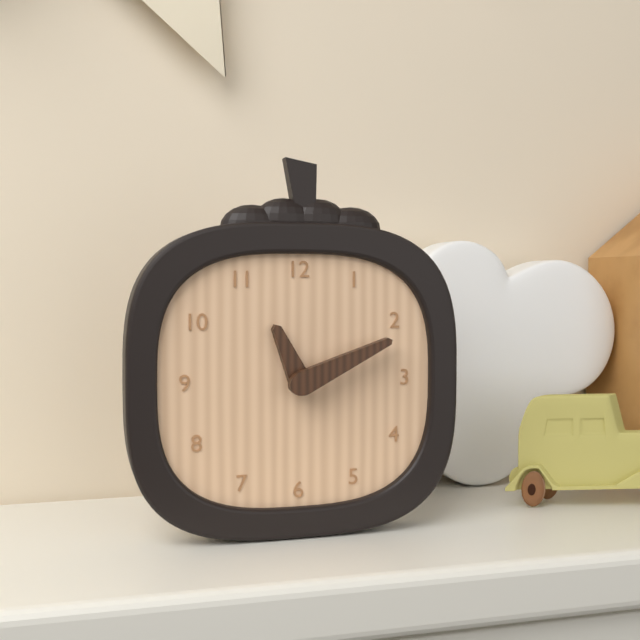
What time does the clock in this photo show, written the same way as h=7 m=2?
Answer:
h=11 m=11
